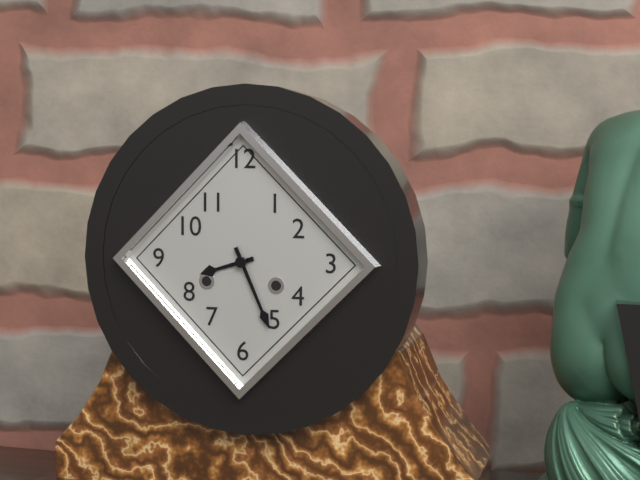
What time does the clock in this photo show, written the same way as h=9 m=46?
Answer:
h=8 m=26
